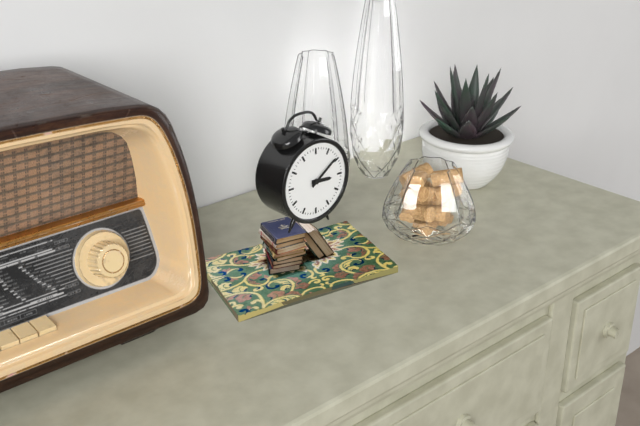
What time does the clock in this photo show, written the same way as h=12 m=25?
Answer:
h=3 m=9
